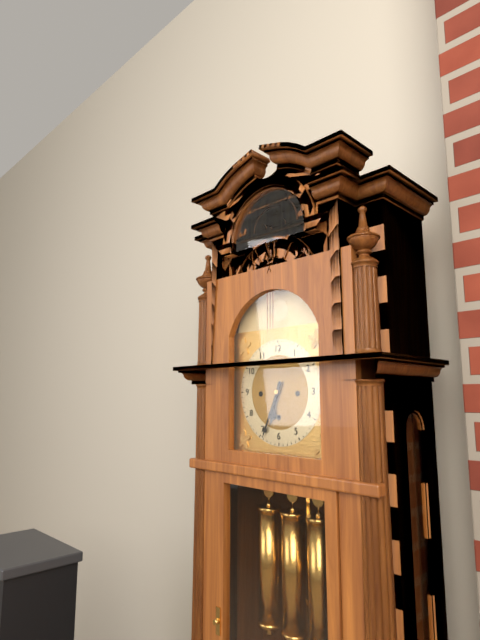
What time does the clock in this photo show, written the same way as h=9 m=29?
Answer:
h=6 m=34
